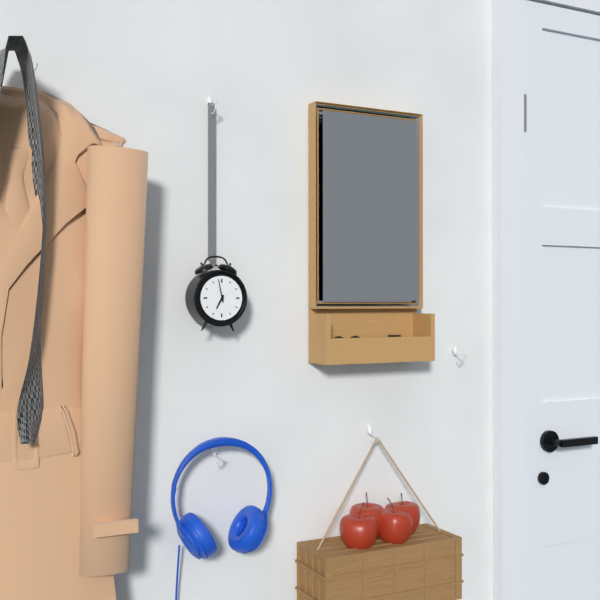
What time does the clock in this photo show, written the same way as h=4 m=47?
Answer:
h=6 m=58
